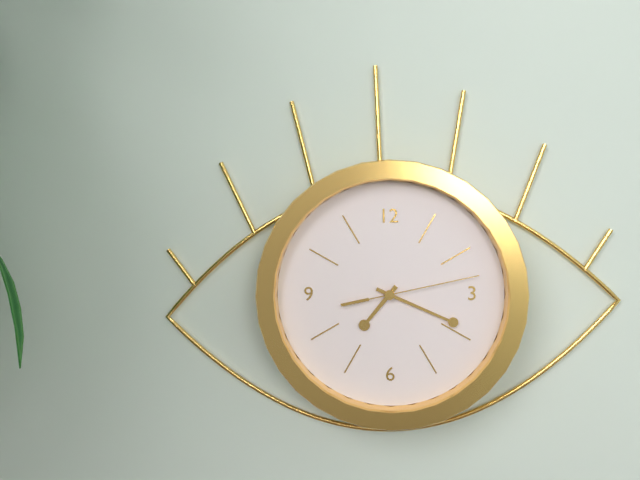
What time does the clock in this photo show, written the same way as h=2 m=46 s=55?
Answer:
h=7 m=19 s=13
